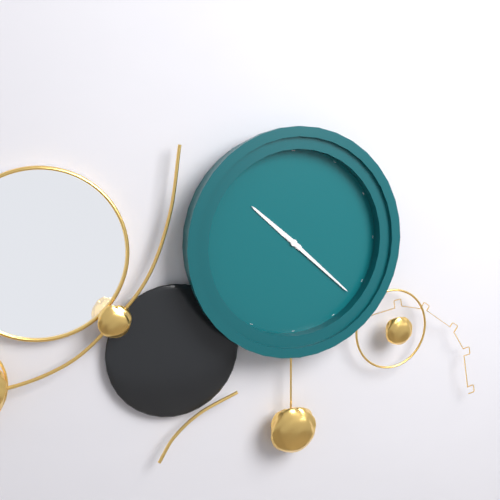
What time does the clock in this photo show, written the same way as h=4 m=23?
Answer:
h=10 m=22
